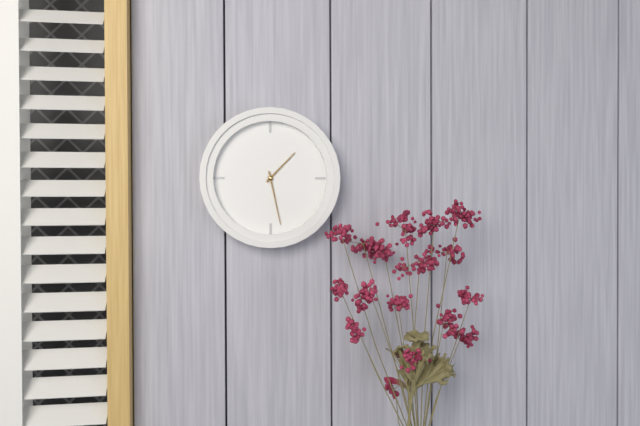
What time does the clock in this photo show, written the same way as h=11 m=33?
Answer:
h=1 m=28
